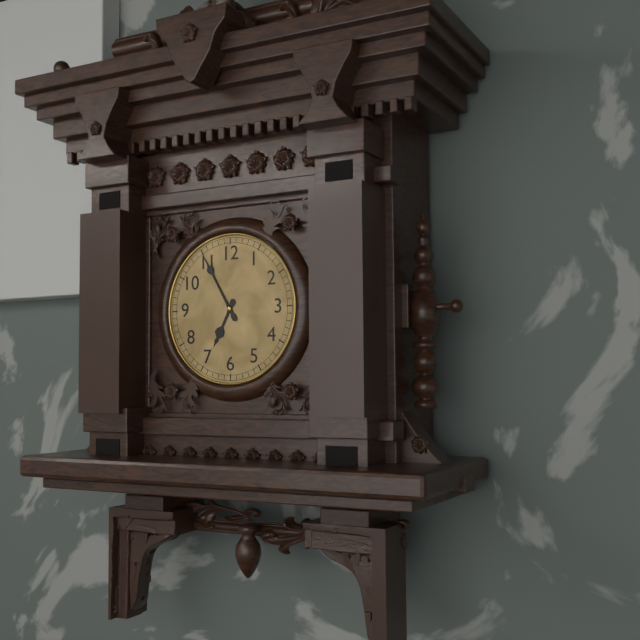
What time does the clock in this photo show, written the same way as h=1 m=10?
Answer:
h=6 m=55
